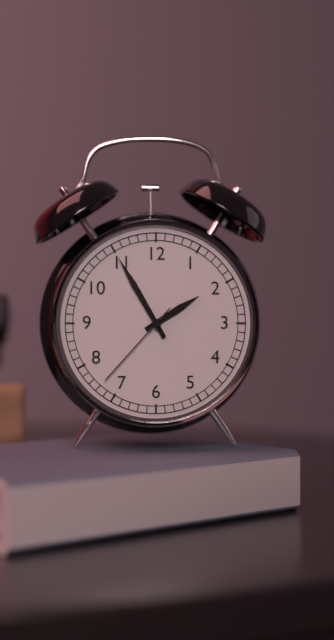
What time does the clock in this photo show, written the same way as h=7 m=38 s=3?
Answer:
h=1 m=55 s=37
